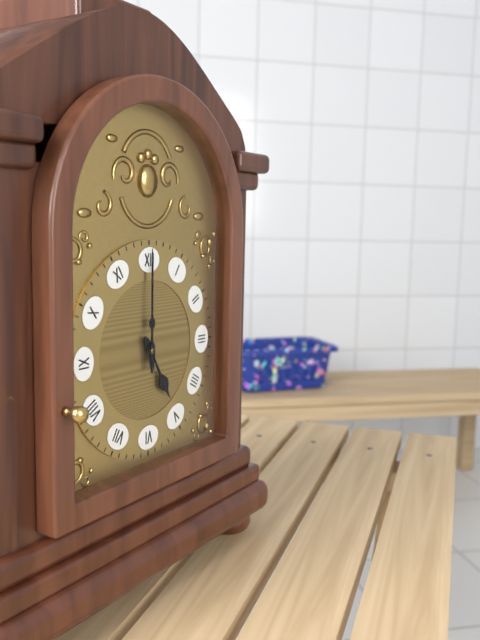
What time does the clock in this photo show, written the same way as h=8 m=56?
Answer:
h=5 m=0
